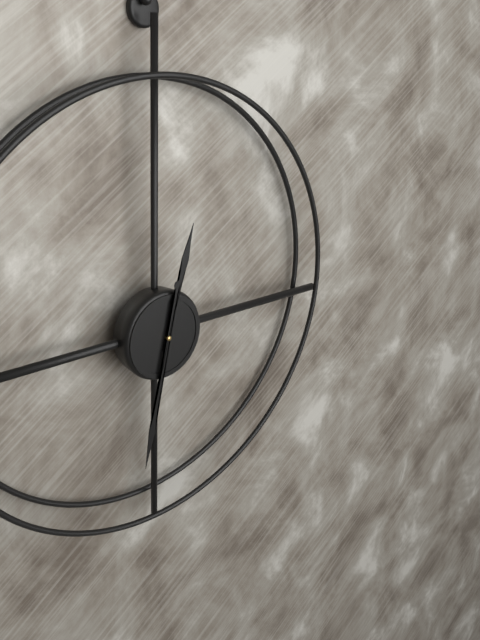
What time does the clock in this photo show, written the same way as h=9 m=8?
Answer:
h=12 m=32
